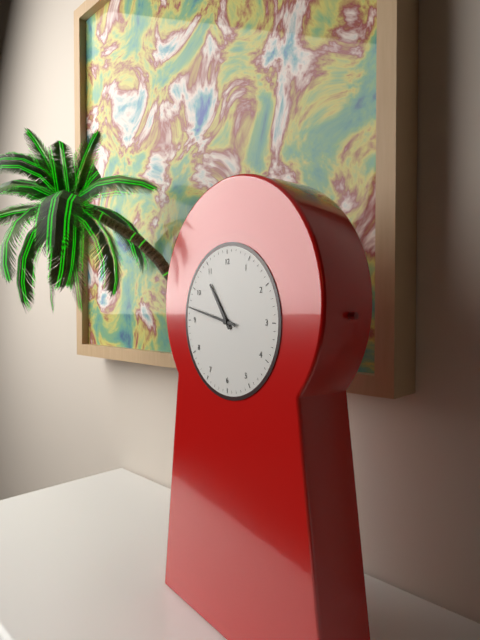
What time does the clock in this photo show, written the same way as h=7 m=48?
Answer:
h=10 m=47
